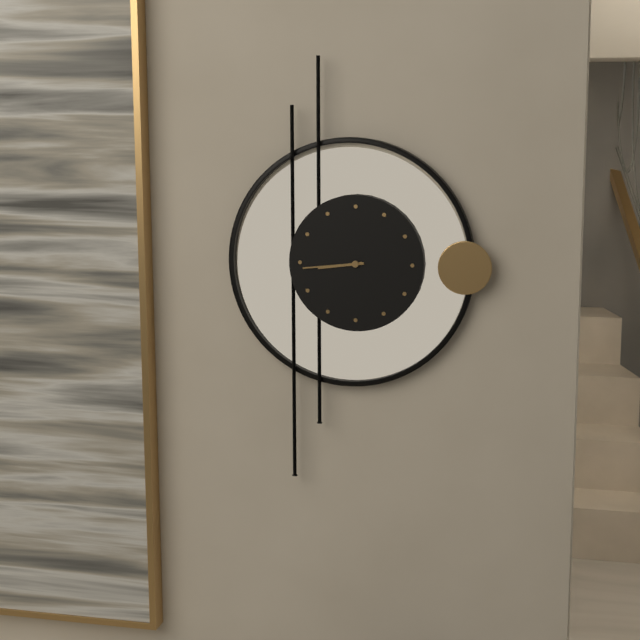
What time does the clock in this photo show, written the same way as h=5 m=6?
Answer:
h=8 m=44
